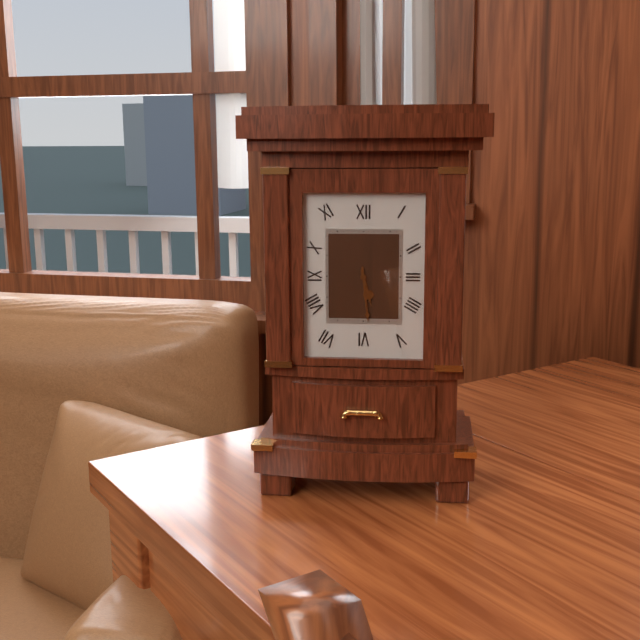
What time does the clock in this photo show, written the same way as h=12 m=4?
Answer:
h=5 m=29
